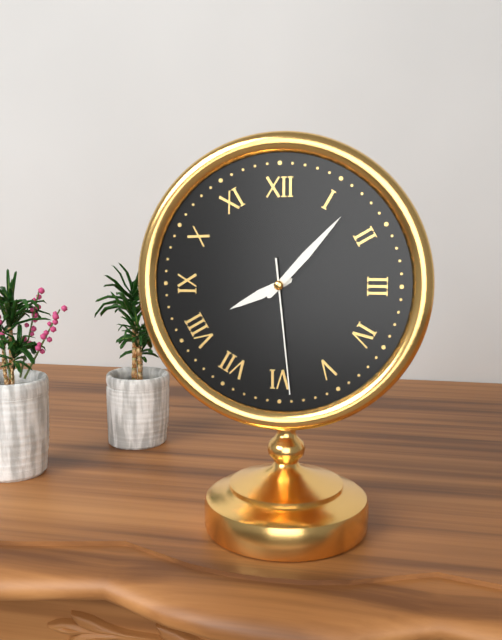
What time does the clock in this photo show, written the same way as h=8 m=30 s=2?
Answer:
h=8 m=7 s=29
